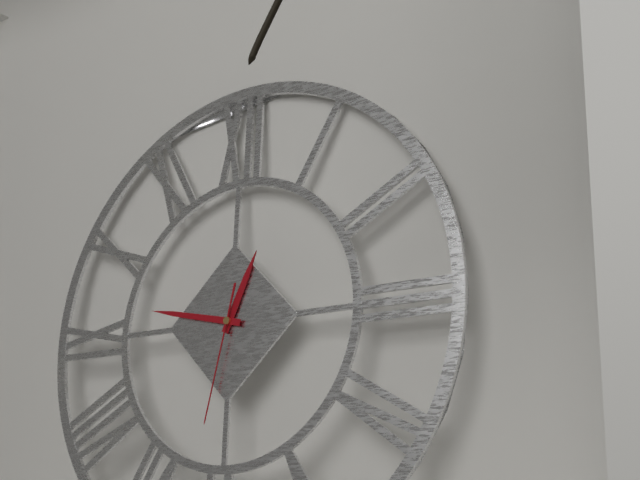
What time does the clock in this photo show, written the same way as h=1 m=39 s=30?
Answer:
h=12 m=47 s=32
